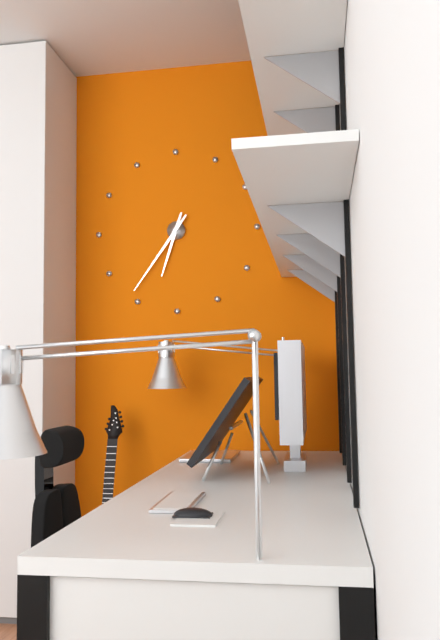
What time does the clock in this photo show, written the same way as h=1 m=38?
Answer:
h=6 m=36
